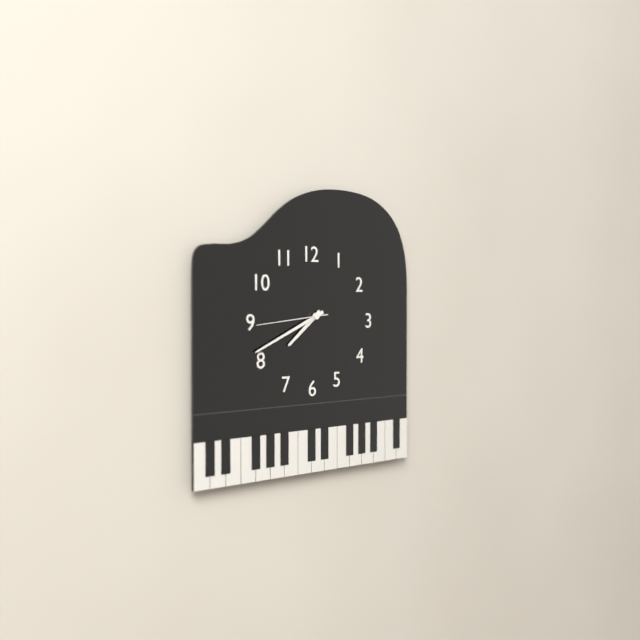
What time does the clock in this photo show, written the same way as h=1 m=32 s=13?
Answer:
h=7 m=41 s=44
